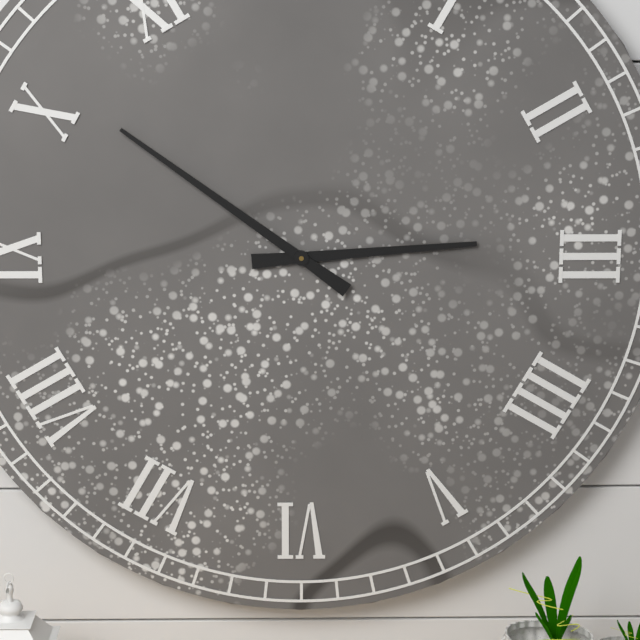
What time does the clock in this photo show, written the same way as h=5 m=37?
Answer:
h=2 m=51
